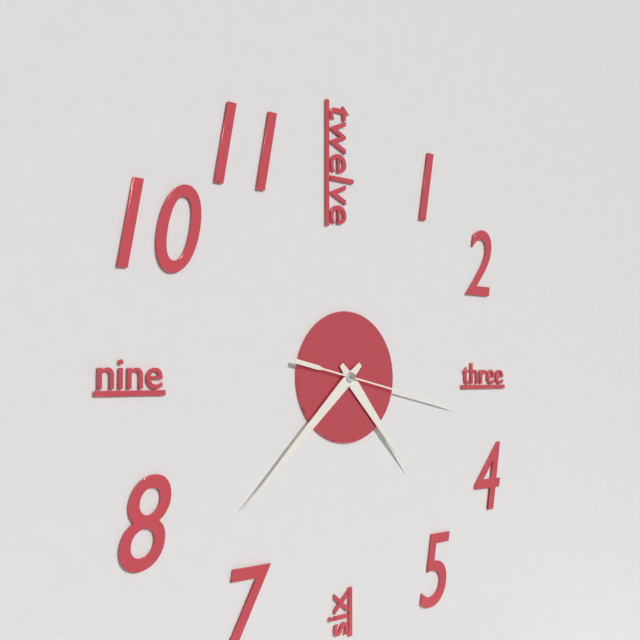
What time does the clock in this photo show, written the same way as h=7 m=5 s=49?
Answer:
h=4 m=38 s=17
